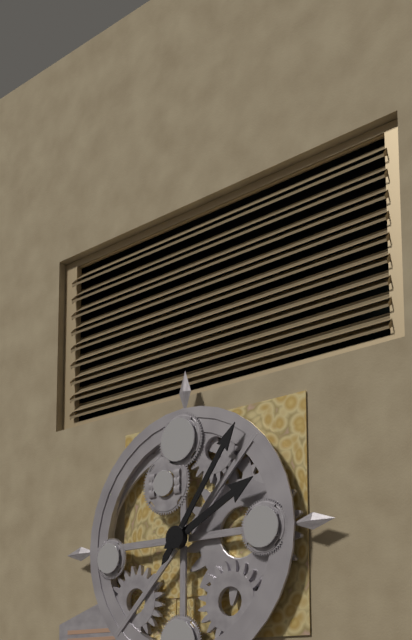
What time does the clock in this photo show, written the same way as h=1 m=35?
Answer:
h=2 m=6
